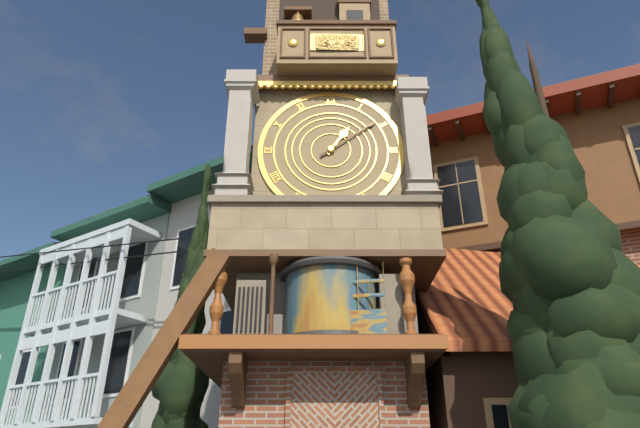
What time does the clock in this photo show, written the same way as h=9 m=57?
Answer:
h=1 m=9
